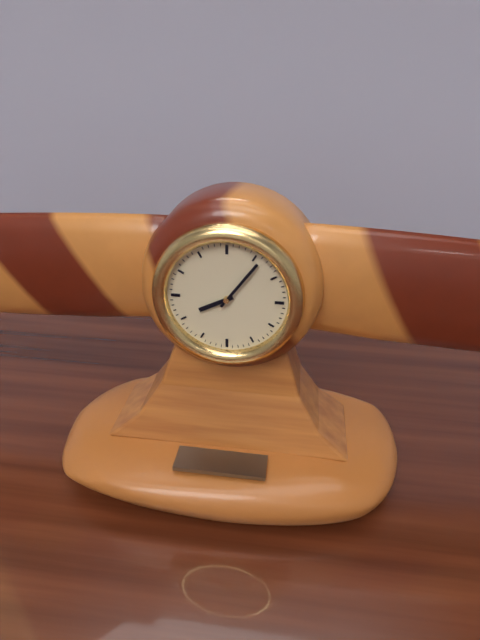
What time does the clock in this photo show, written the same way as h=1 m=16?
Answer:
h=8 m=6
